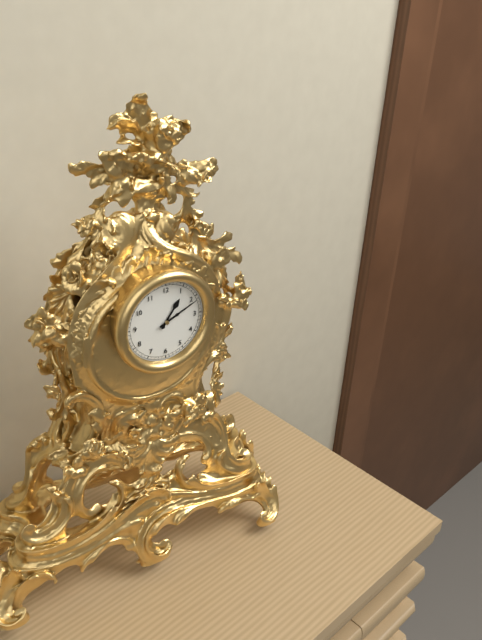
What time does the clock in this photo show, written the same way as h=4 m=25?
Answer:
h=1 m=11
